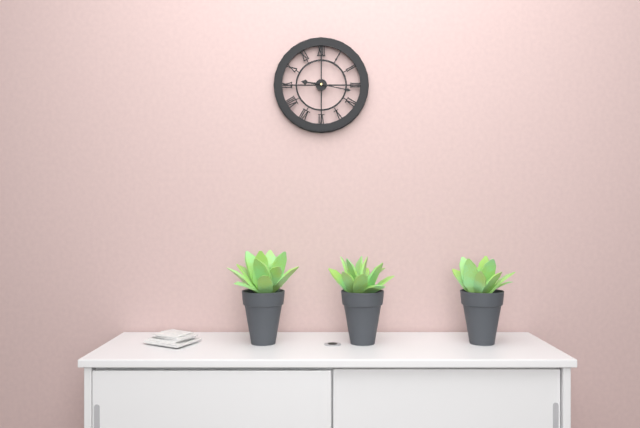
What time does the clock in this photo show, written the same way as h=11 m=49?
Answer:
h=9 m=17
